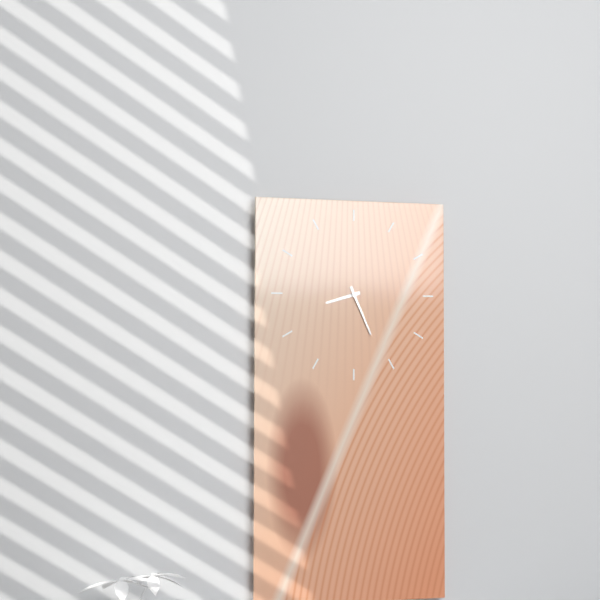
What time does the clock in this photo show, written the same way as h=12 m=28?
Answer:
h=8 m=26
